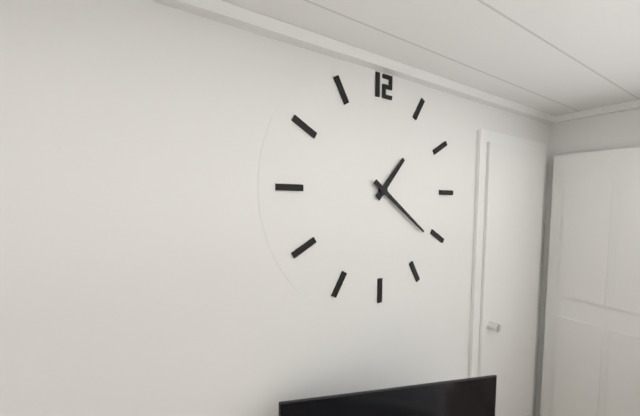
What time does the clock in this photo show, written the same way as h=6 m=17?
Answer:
h=1 m=21
